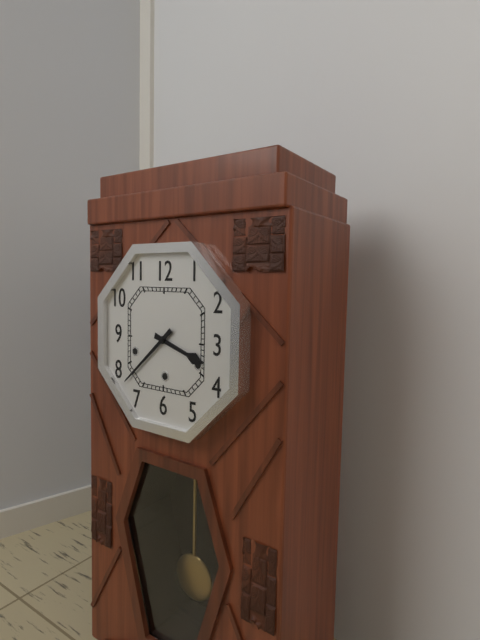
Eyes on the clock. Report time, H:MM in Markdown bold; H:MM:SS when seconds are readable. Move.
**3:38**
